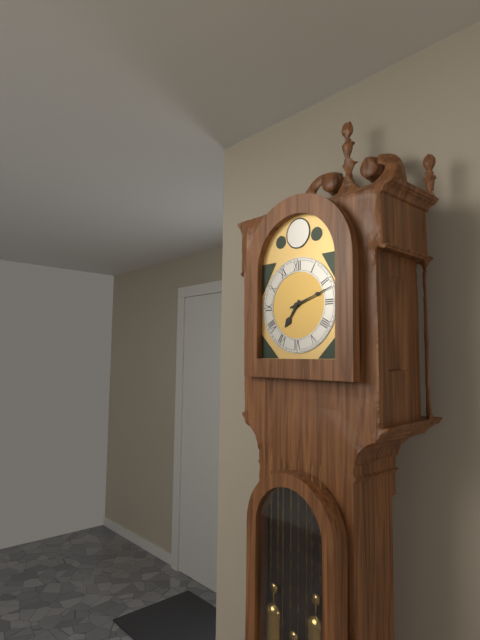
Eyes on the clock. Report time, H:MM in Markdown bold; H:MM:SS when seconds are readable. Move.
**7:12**
